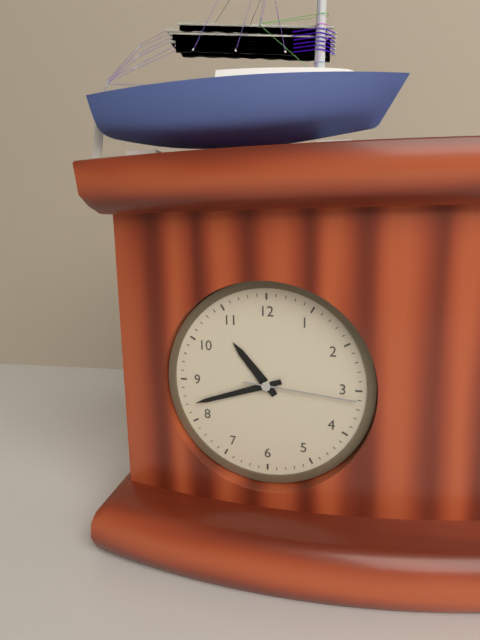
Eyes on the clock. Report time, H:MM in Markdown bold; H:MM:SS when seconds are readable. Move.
**10:42:16**
